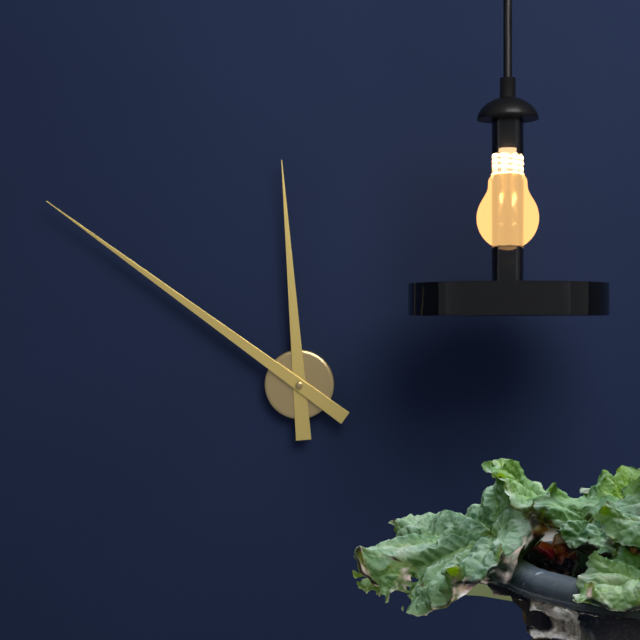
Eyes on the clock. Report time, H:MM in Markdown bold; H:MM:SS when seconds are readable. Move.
**11:51**
